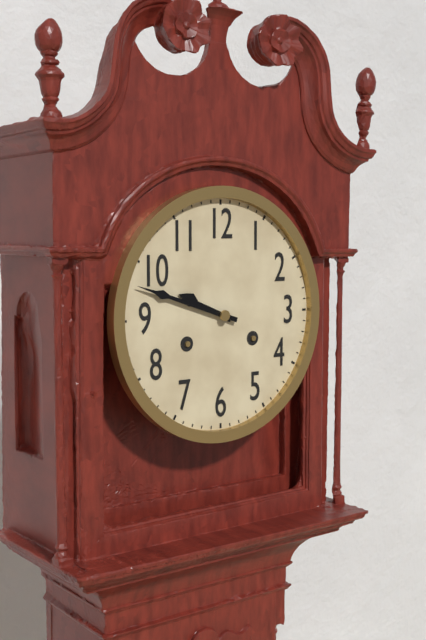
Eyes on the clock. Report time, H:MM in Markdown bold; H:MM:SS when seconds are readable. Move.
**9:48**
